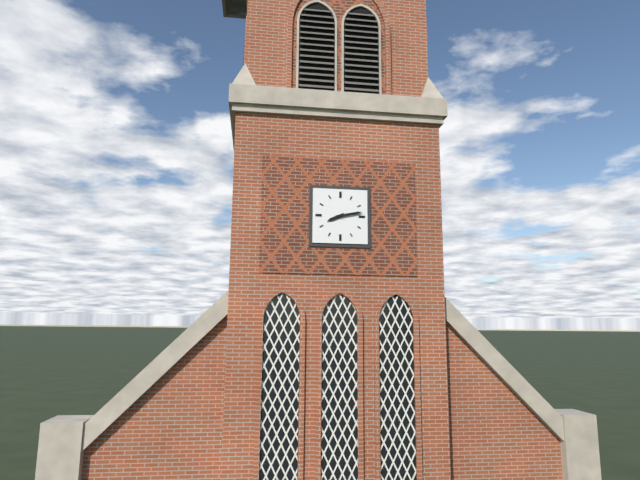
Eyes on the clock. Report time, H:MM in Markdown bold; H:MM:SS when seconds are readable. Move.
**8:13**
